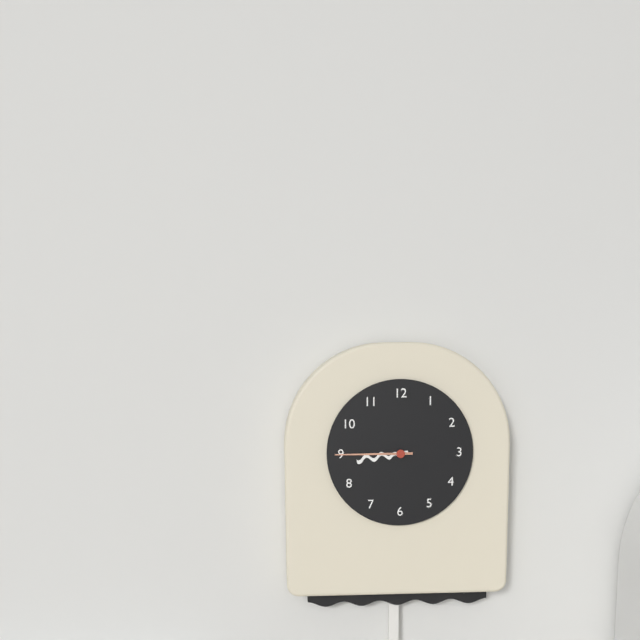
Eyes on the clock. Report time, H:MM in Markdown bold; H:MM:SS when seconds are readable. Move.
**8:45**
